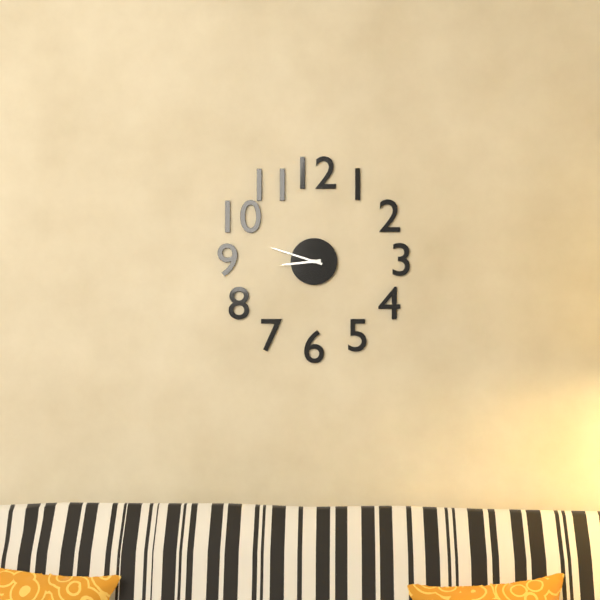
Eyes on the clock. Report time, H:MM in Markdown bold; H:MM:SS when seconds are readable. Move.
**8:48**
